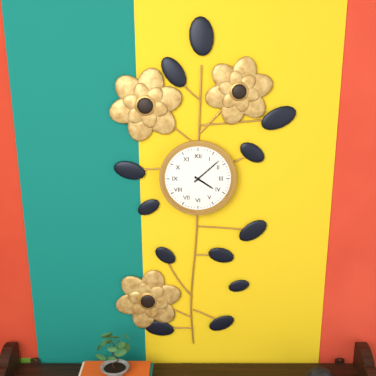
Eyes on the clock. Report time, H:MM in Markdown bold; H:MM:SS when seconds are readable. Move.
**4:08**
